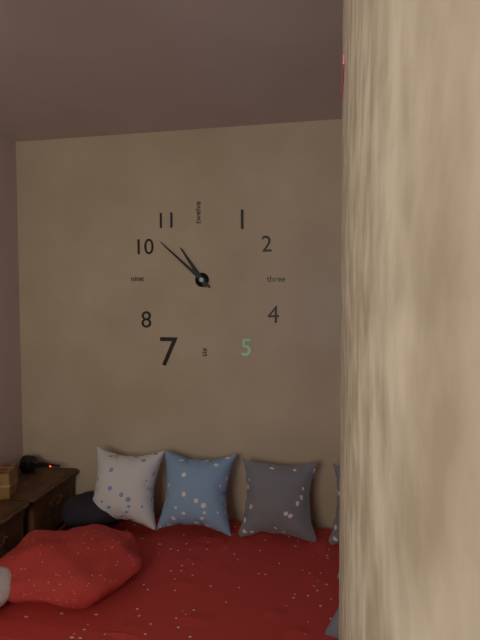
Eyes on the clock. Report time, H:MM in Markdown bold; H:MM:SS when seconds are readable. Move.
**10:52**
